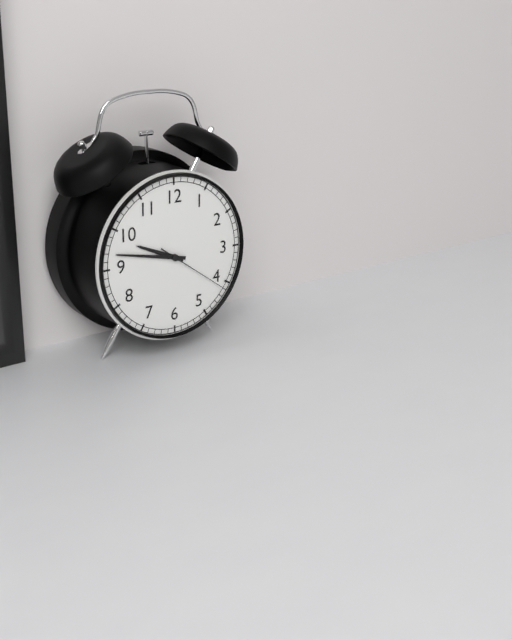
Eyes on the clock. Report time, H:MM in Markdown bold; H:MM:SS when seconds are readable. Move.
**9:47:21**
